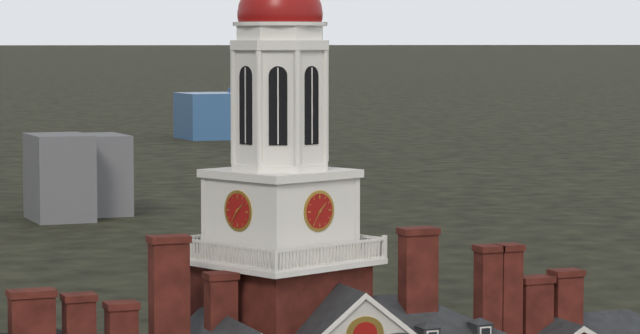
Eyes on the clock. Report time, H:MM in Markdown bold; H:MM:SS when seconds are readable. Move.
**1:36**
